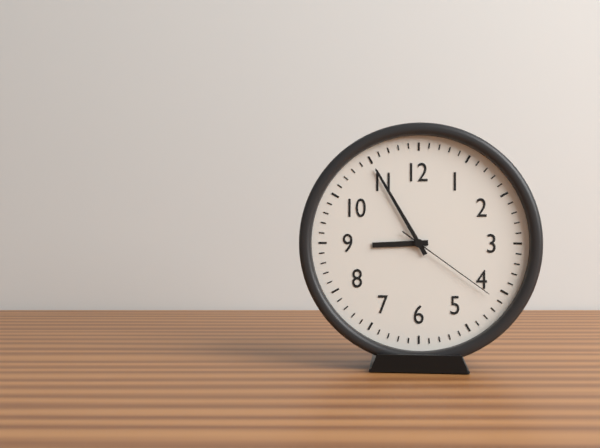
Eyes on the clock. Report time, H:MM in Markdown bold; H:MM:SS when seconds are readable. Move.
**8:55:21**
